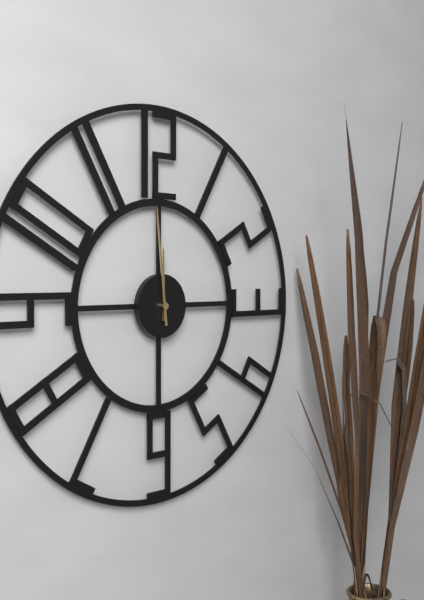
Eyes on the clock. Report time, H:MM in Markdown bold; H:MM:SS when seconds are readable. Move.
**11:59**
